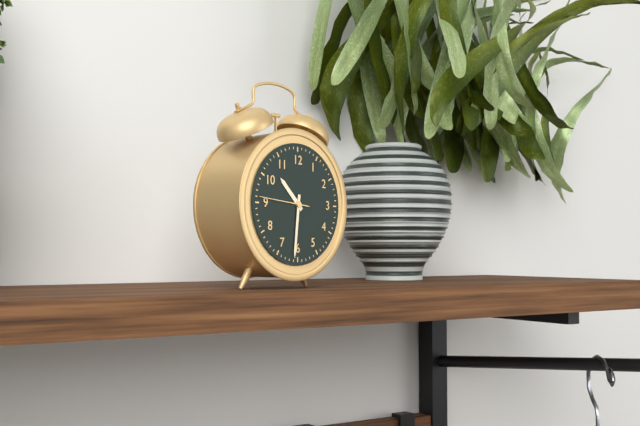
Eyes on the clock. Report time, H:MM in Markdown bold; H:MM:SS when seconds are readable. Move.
**10:31**
